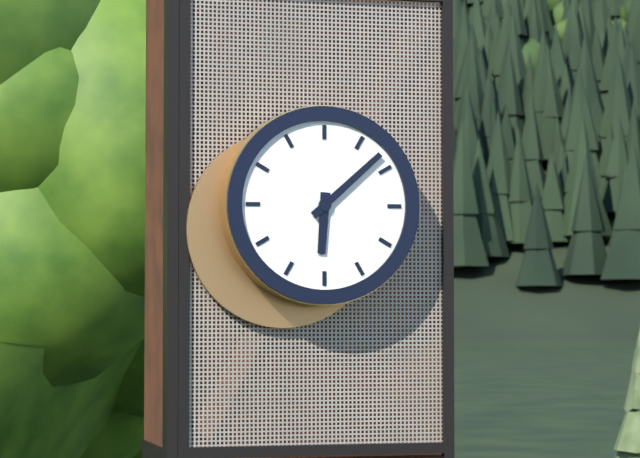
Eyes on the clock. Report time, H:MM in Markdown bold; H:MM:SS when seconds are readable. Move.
**6:08**
